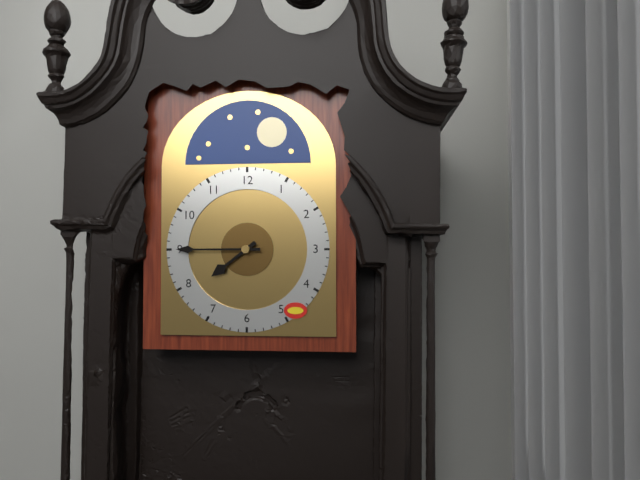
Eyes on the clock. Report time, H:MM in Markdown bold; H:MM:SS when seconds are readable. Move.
**7:45**
